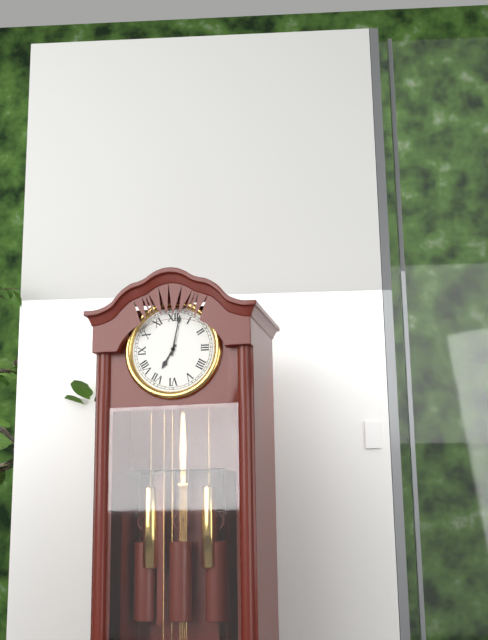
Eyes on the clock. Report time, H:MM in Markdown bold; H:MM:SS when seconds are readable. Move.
**7:02**
